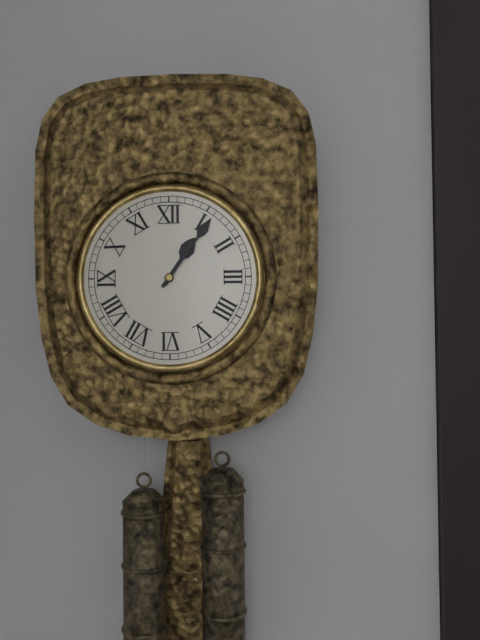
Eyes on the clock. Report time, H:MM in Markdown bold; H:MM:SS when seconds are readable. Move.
**1:06**
